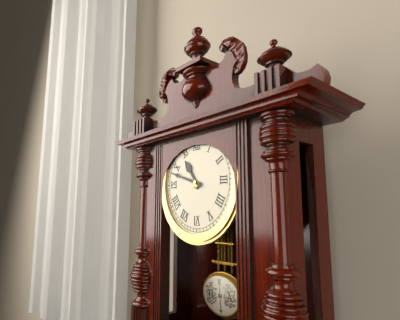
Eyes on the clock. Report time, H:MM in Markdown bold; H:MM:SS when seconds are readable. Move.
**10:48**
